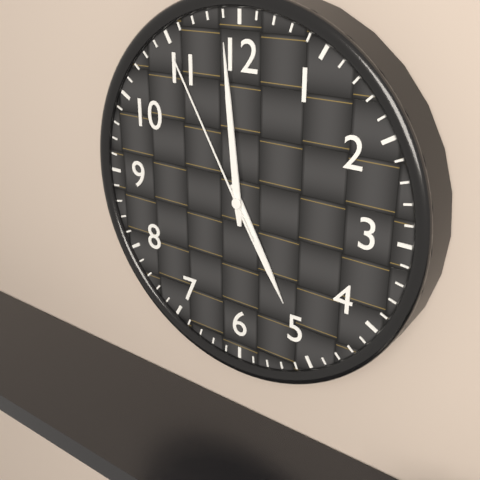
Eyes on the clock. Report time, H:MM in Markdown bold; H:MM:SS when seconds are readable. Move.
**4:59:55**
